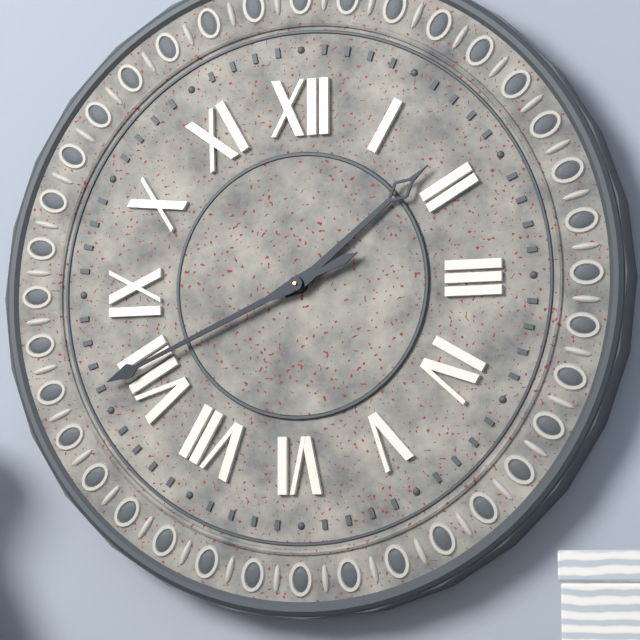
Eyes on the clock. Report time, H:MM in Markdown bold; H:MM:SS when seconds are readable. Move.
**1:41**
